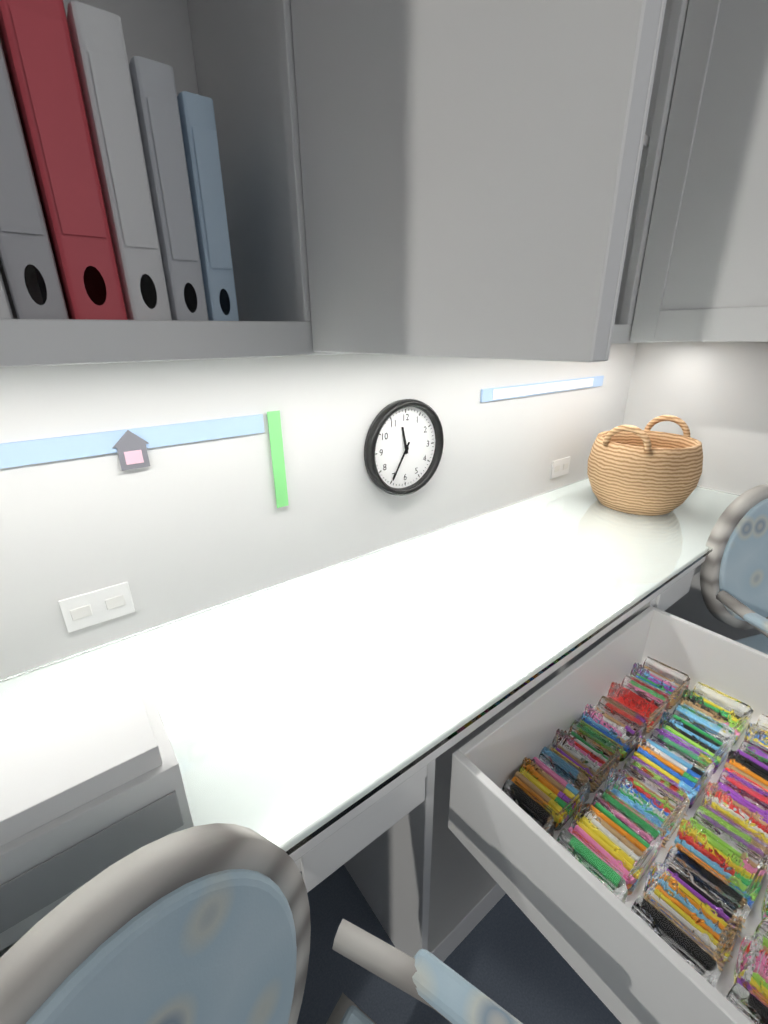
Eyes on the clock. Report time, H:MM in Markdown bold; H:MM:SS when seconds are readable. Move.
**11:35**
